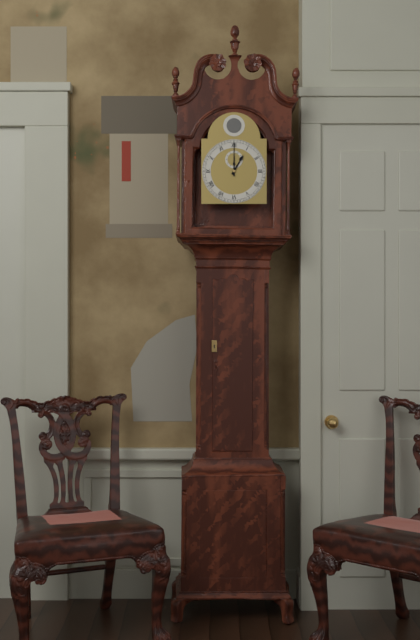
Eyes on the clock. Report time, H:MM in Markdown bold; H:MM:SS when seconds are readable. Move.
**1:00**
